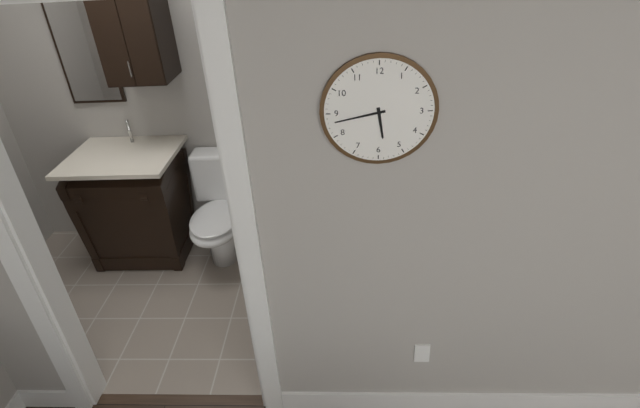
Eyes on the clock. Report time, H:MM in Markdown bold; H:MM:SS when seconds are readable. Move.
**5:43**
